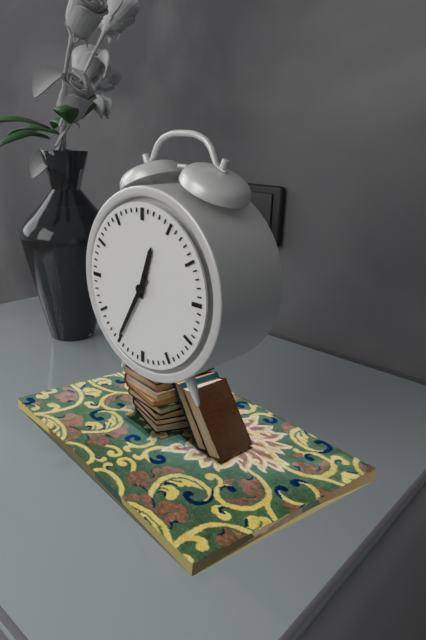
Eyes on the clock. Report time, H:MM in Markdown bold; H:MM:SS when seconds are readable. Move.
**12:35**
